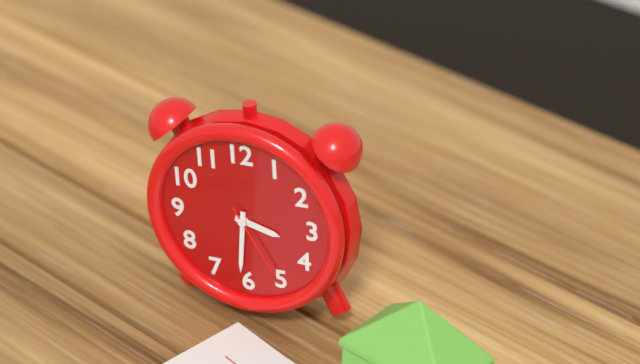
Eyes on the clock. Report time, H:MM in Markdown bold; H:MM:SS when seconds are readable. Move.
**3:31:25**
